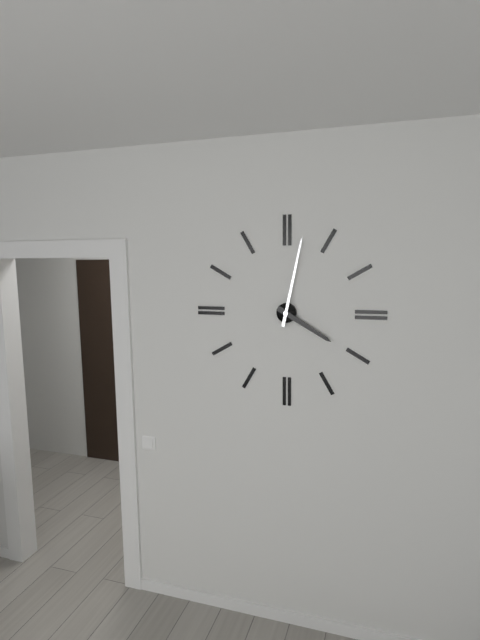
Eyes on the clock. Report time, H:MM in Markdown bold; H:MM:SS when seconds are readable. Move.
**4:02**
